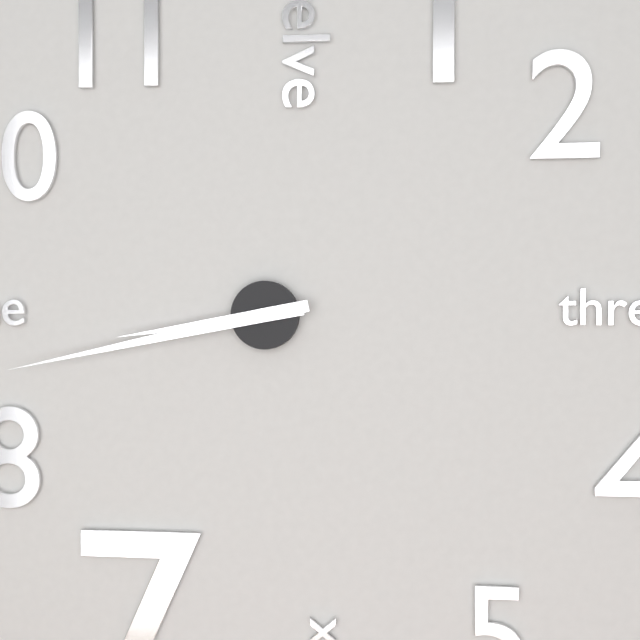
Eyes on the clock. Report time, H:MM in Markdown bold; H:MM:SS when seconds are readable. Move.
**8:43**
